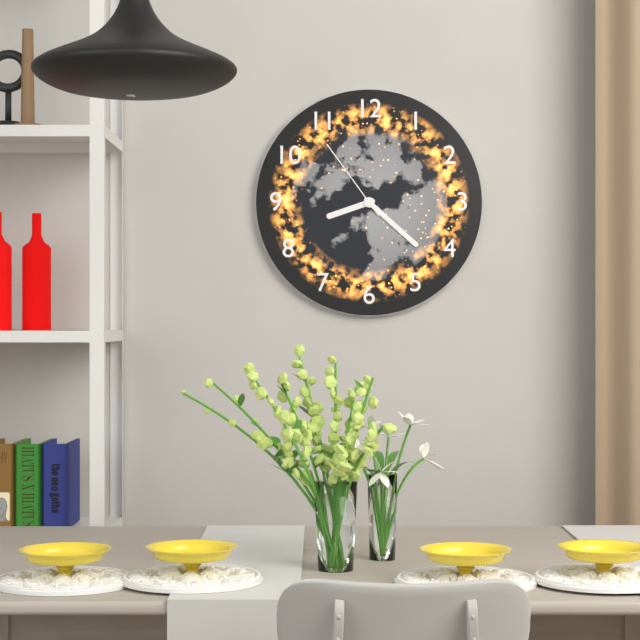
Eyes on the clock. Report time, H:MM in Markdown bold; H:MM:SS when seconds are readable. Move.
**8:22:54**
